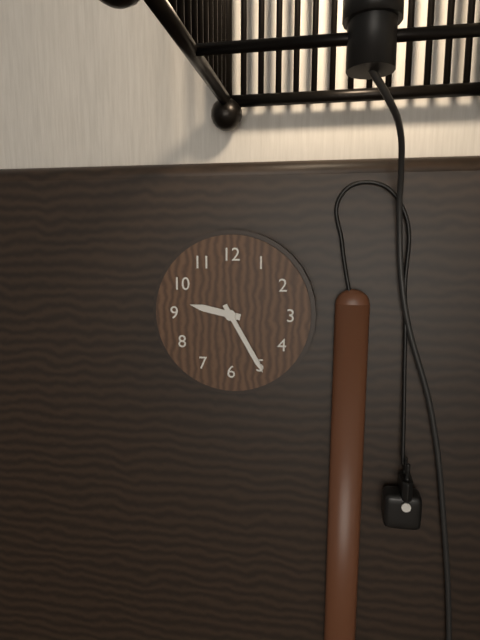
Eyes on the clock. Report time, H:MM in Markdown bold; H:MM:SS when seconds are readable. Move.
**9:25**
